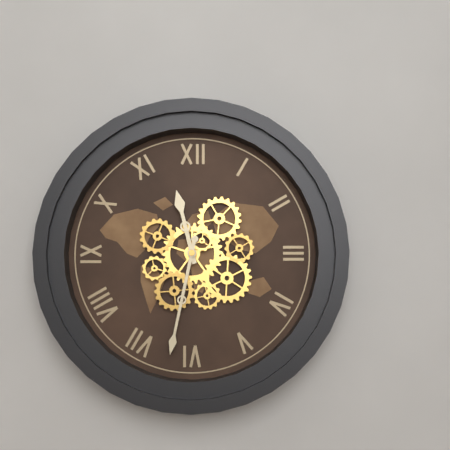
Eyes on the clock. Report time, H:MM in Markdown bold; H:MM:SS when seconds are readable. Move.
**11:32**
